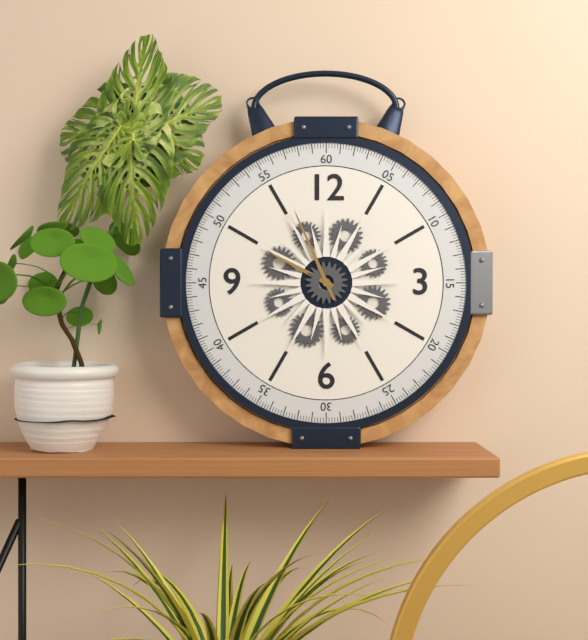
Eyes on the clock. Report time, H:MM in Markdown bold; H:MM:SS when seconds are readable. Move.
**9:56**
